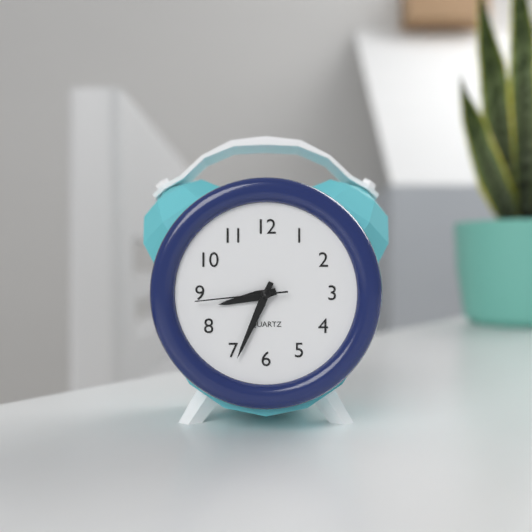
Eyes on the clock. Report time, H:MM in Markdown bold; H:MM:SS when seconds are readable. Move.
**8:34:44**
